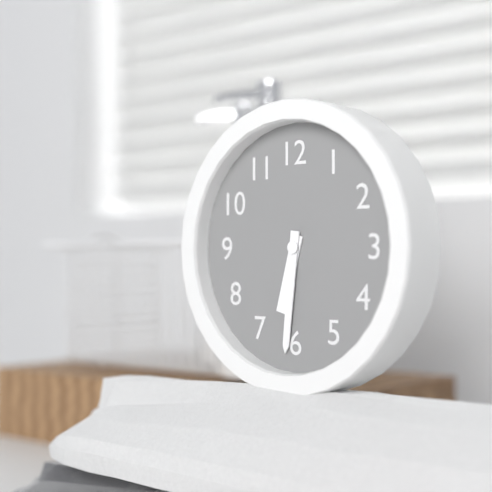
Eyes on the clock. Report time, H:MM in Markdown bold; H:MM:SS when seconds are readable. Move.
**6:31**
